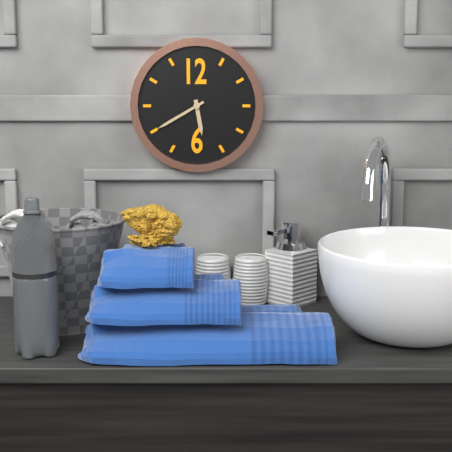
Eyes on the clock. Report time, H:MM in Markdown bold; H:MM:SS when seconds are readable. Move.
**5:40**
